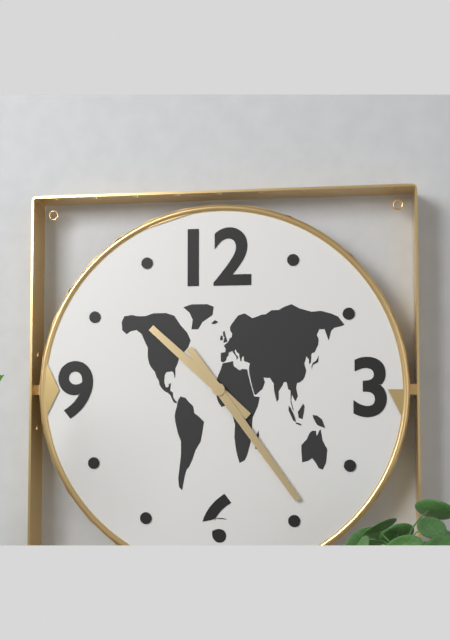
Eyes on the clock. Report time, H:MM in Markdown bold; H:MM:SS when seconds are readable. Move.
**10:24**
